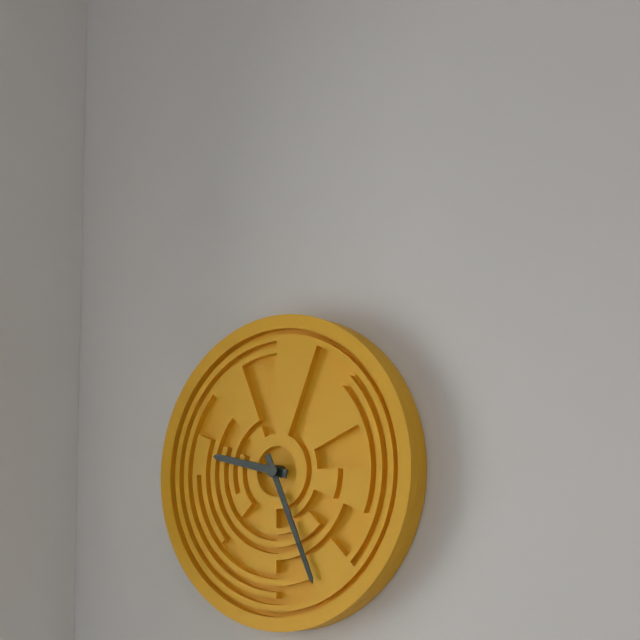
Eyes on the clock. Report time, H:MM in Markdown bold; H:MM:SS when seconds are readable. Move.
**9:26**
